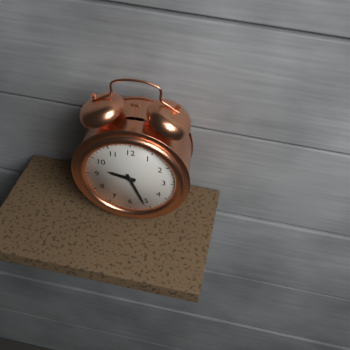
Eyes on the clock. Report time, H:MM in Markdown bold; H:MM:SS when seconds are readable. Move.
**9:26**
